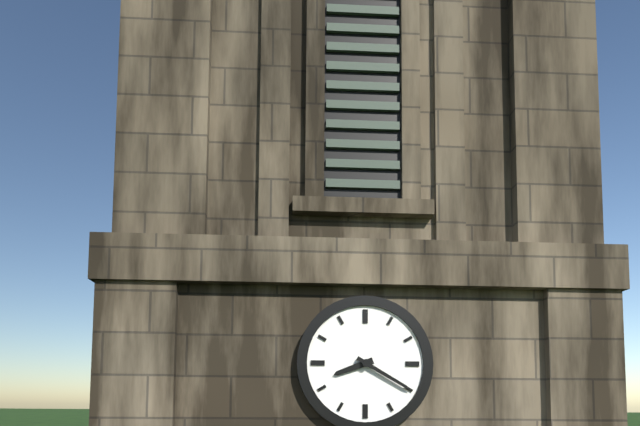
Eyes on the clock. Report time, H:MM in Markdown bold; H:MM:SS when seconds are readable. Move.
**8:20**
